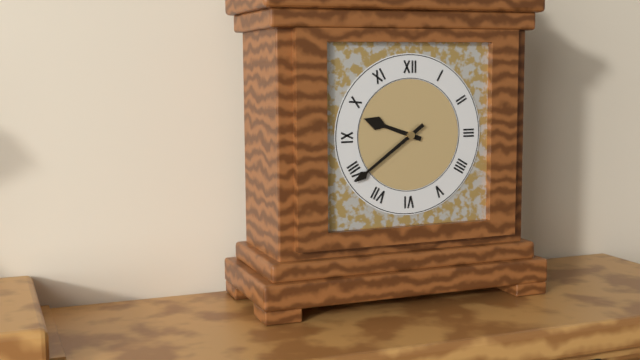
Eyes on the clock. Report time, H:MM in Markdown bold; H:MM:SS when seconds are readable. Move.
**9:39**
